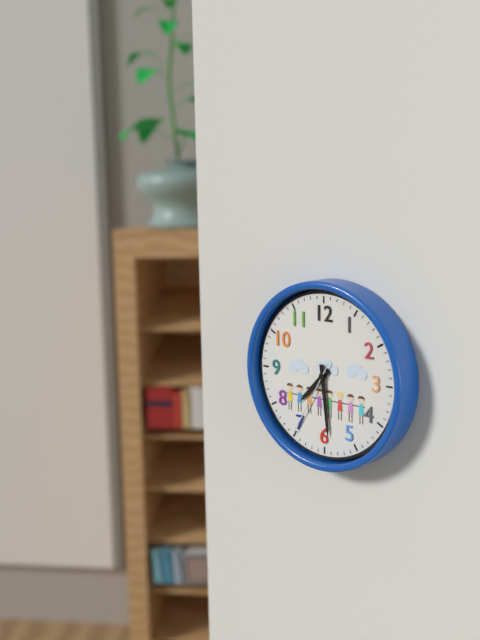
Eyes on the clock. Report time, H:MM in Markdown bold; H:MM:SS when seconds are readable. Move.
**7:29:35**
